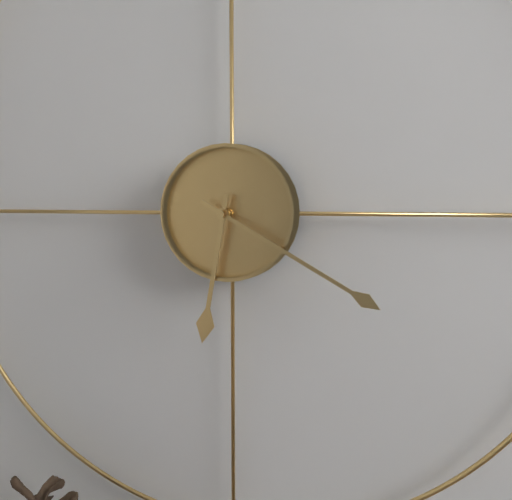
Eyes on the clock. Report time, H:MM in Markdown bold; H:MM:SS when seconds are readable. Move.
**6:20**
